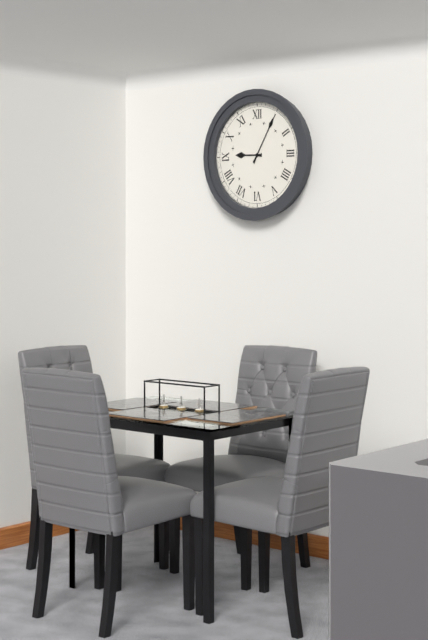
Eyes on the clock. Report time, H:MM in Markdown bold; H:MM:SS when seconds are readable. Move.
**9:05**
